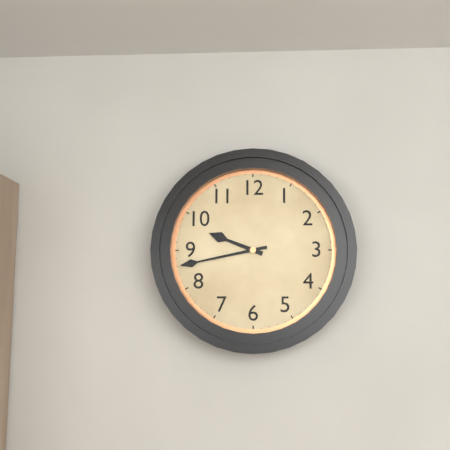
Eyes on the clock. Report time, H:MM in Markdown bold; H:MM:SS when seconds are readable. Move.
**9:43**
